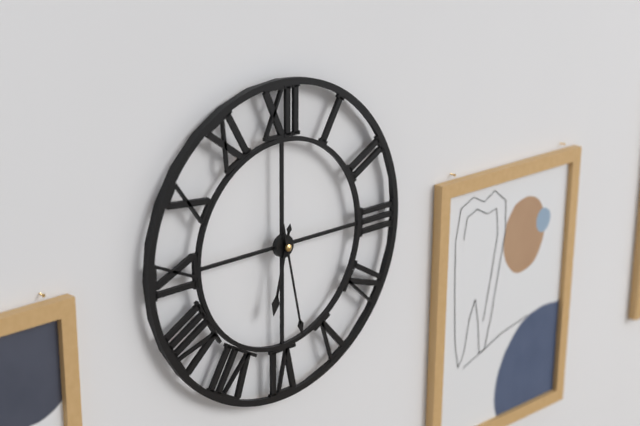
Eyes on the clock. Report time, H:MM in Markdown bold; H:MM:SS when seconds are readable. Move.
**6:28**
